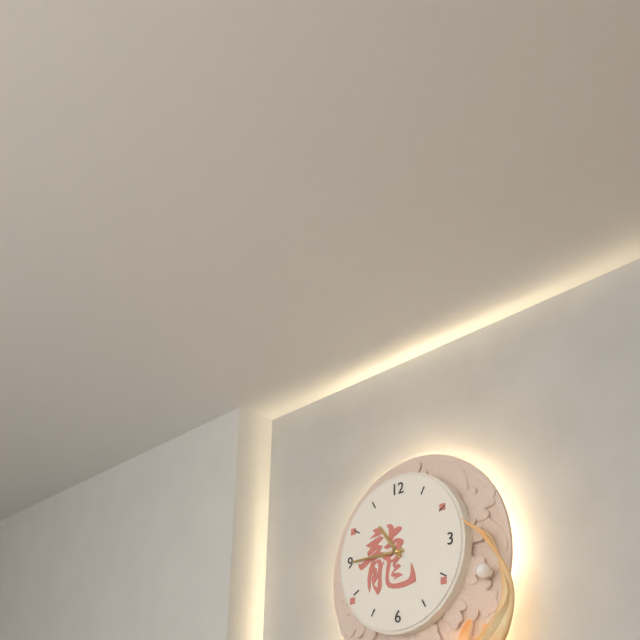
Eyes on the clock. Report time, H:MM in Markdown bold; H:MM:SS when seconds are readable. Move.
**10:45**
